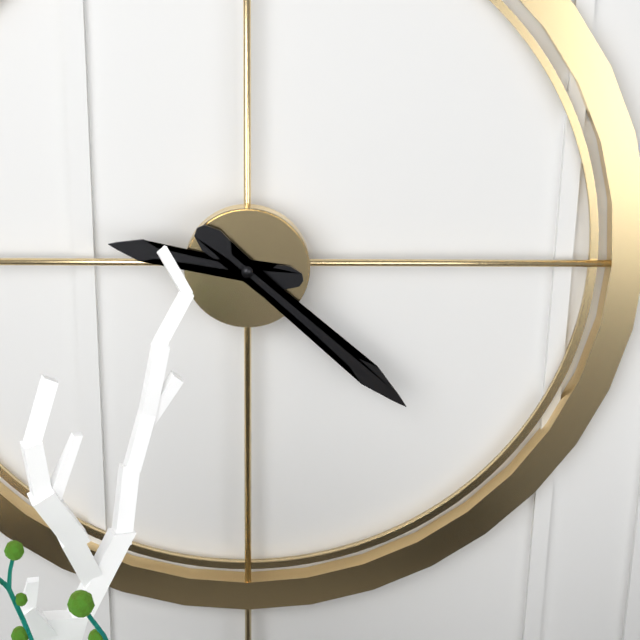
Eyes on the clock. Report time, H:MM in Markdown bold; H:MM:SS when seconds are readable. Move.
**9:22**
